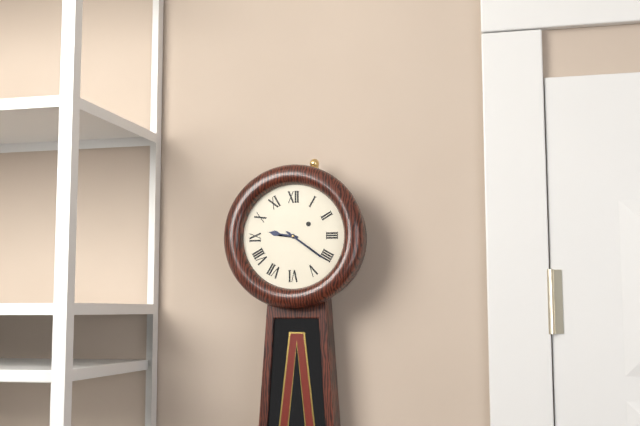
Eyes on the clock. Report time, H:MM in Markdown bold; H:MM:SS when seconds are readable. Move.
**9:21**
